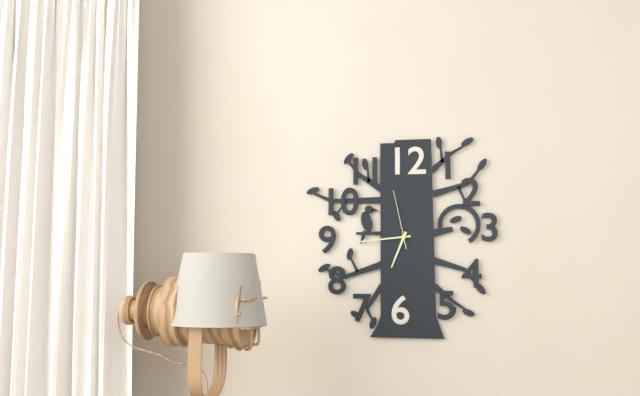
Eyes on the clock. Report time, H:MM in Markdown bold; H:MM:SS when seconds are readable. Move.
**6:44:58**
